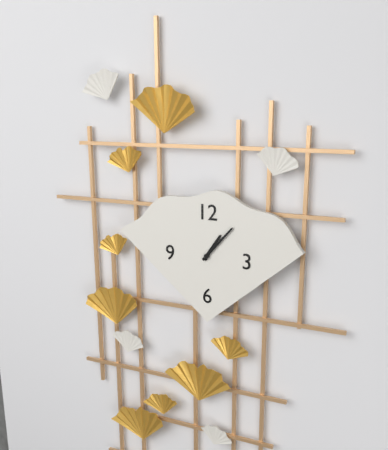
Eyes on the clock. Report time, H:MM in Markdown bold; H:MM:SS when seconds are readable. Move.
**1:07**
